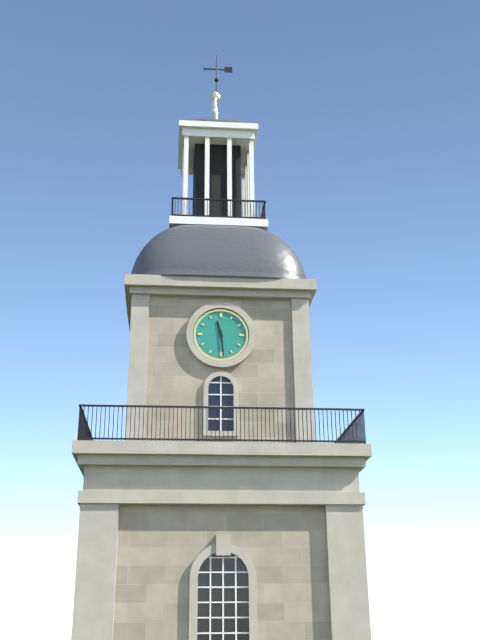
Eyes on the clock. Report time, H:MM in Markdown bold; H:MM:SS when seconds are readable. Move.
**11:29**
